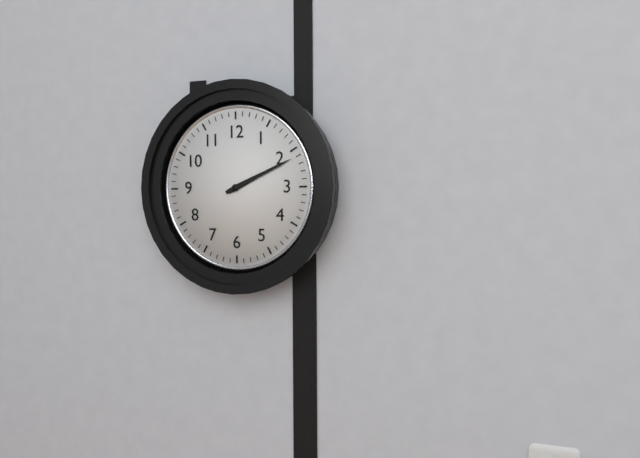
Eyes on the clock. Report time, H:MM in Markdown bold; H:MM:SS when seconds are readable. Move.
**2:11**
